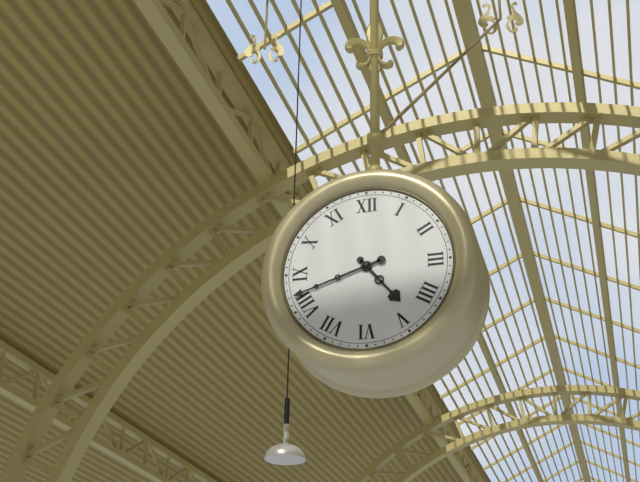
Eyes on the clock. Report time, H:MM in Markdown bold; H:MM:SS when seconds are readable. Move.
**4:42**
